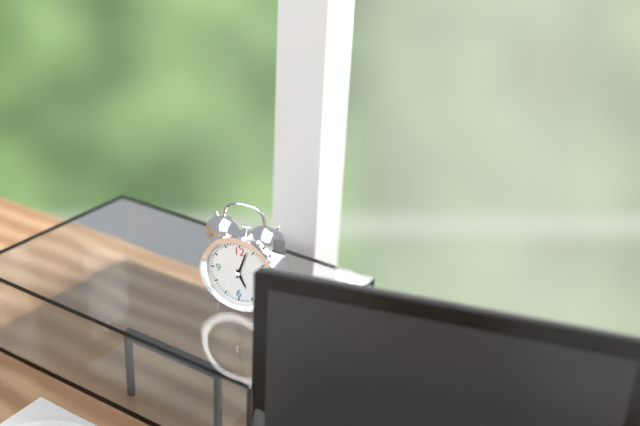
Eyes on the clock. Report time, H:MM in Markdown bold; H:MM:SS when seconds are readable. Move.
**5:03**
